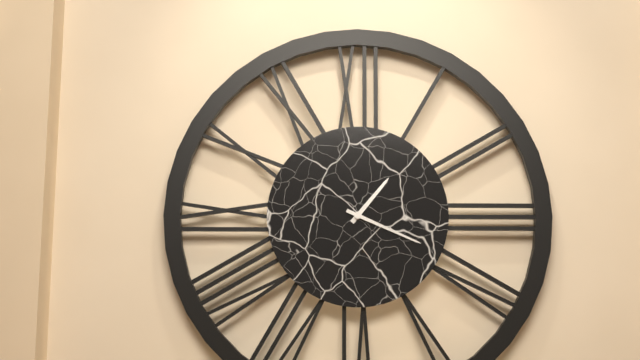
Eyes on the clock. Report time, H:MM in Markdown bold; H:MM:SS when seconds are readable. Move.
**1:19**
